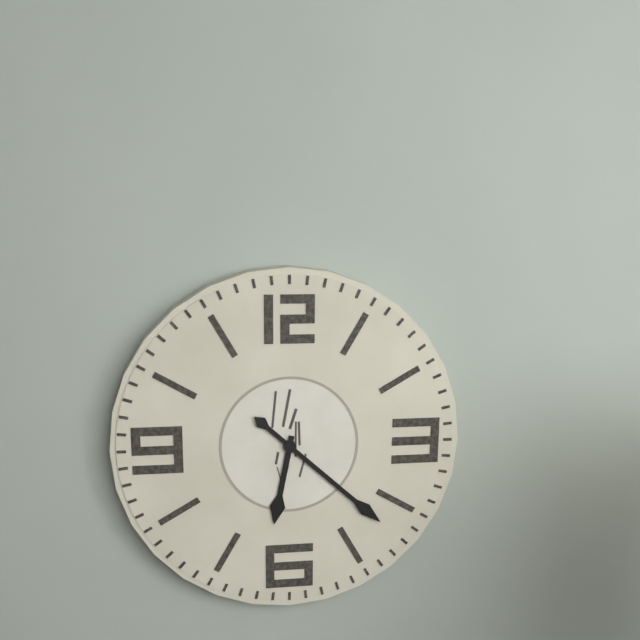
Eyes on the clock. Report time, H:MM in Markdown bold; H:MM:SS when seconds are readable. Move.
**6:22**
